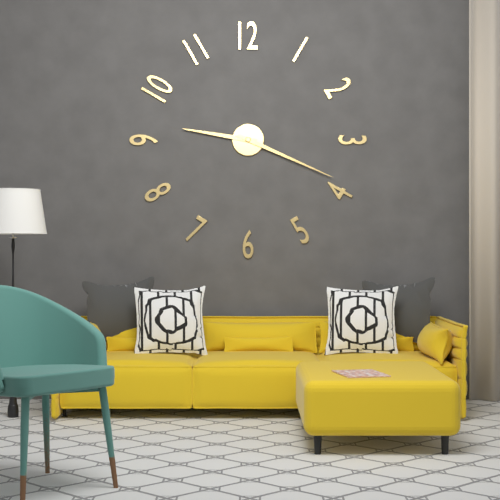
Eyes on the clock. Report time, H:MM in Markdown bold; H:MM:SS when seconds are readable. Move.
**9:19**
